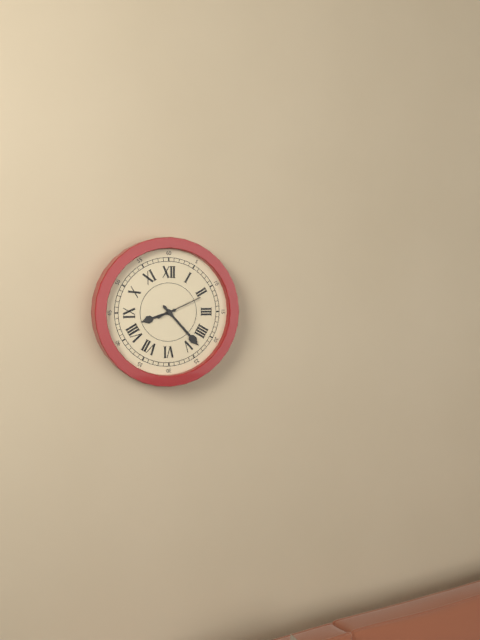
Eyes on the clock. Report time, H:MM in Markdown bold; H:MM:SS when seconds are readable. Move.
**8:23**
